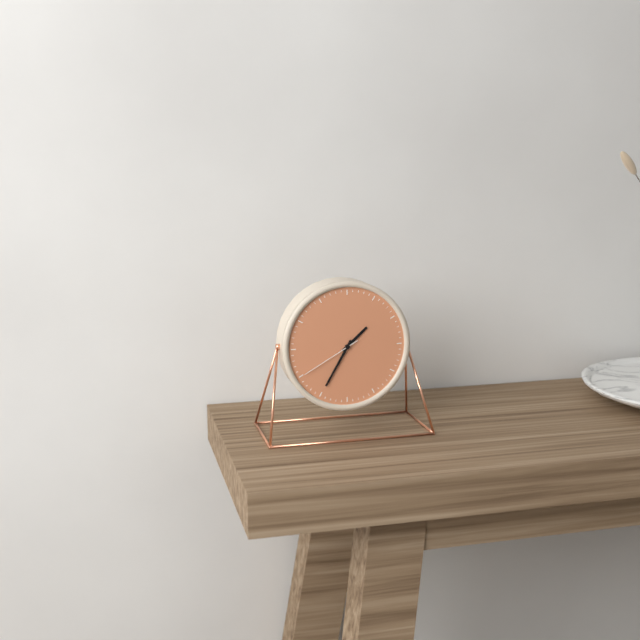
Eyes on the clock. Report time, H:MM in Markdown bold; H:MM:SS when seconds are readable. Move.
**1:35:40**
